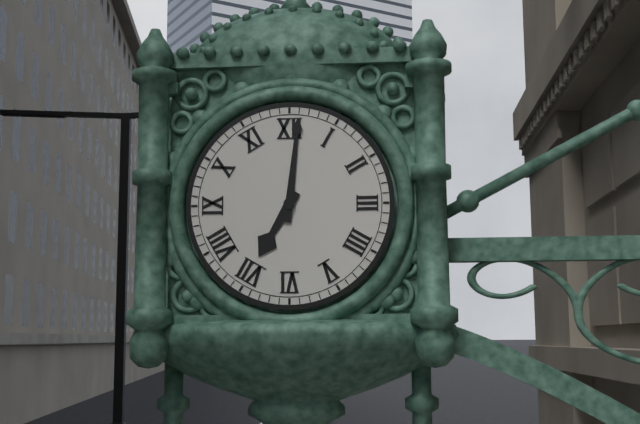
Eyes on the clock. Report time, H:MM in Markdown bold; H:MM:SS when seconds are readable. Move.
**7:01**
